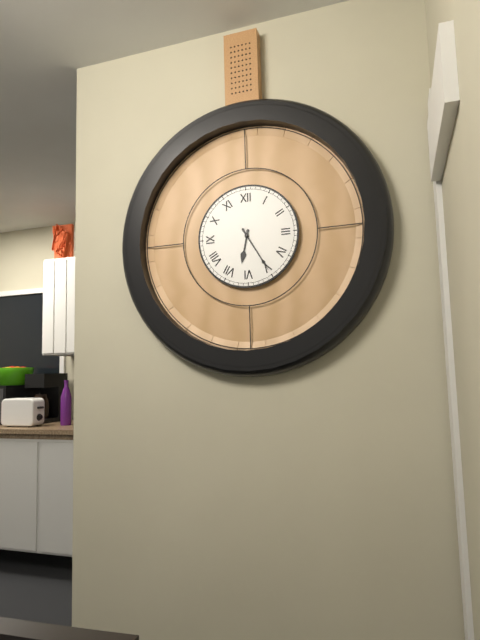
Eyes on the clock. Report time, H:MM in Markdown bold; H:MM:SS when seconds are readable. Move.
**6:25**
